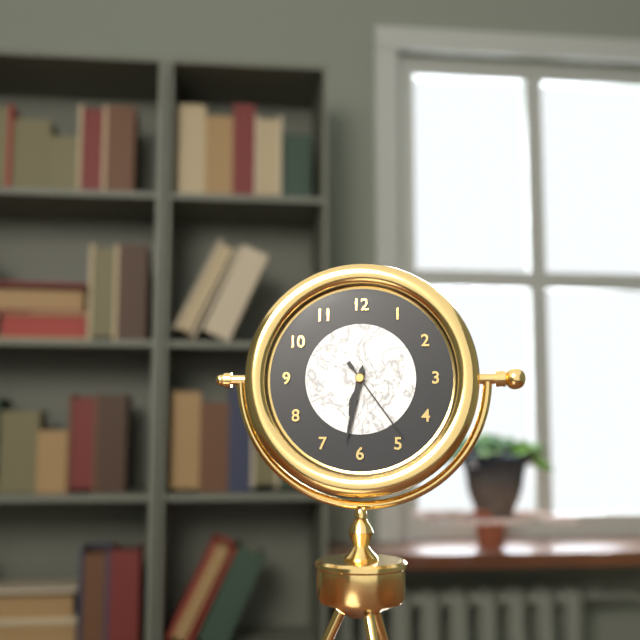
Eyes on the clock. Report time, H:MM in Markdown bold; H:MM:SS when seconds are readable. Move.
**6:32:24**
